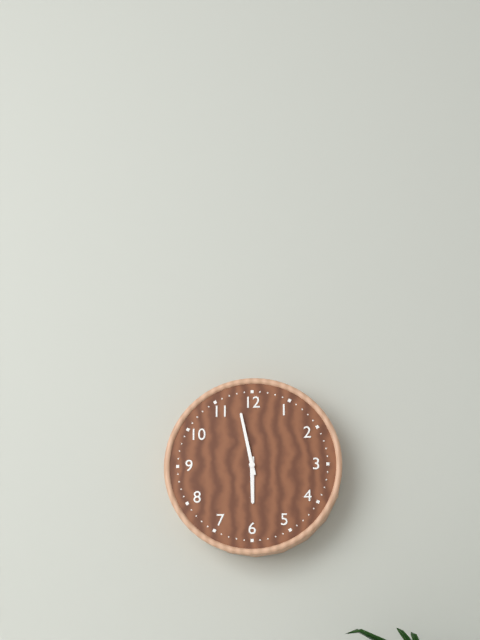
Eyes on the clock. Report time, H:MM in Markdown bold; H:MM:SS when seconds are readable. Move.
**5:58**
